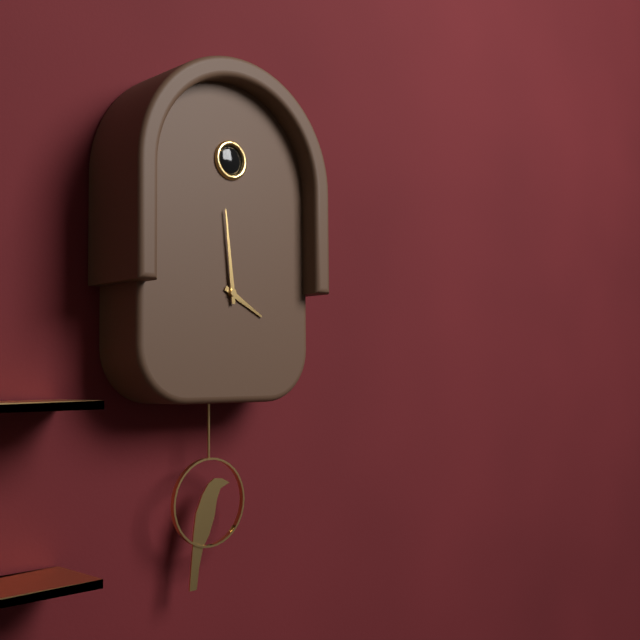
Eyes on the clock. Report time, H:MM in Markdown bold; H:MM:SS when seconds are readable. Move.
**3:59**
